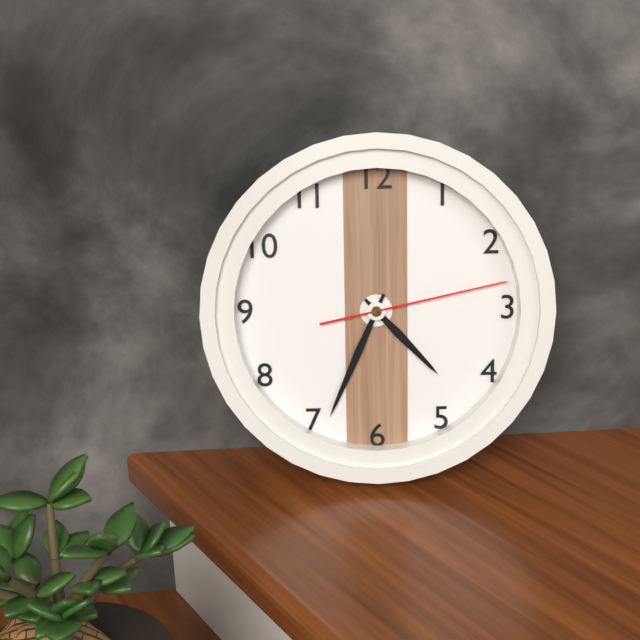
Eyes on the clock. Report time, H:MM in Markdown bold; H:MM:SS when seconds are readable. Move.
**4:34:13**
